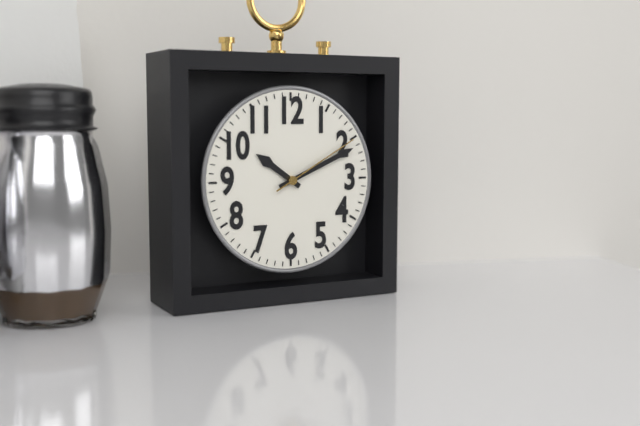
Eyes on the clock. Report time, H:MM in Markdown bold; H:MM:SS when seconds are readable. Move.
**10:11:10**
